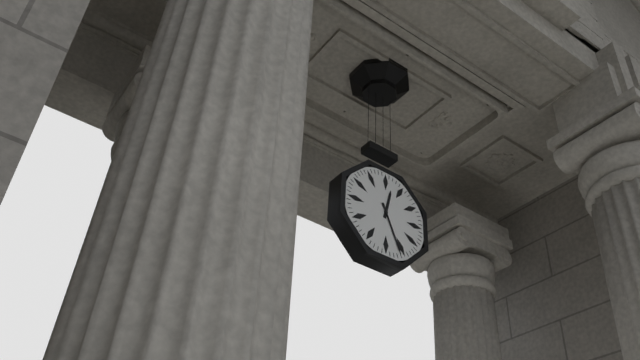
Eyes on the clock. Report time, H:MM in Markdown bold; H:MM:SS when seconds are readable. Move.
**12:26**
